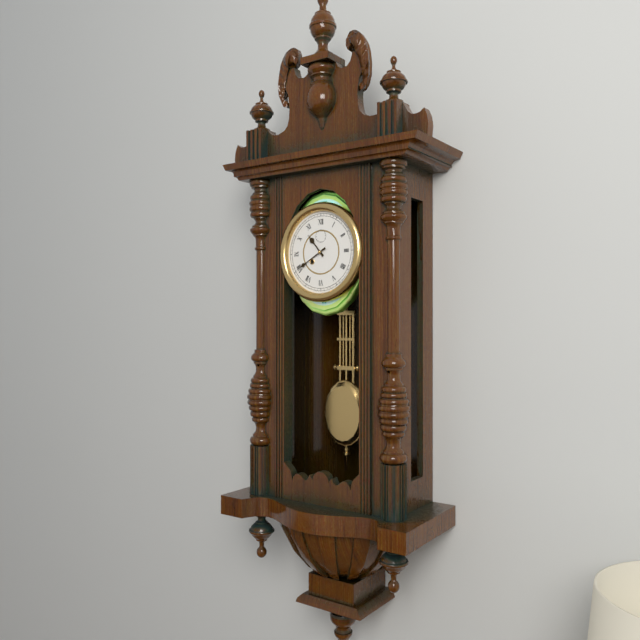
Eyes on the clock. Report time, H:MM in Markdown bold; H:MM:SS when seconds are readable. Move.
**10:40**
